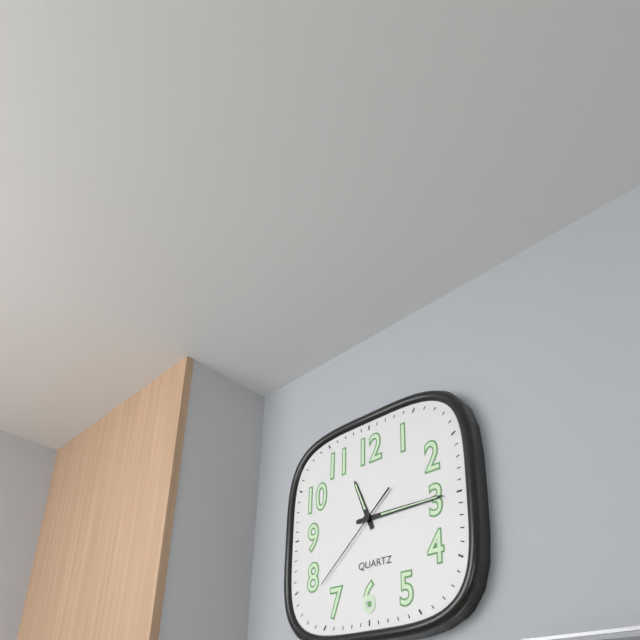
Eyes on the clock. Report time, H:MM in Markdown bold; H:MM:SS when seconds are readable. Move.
**11:15:38**
